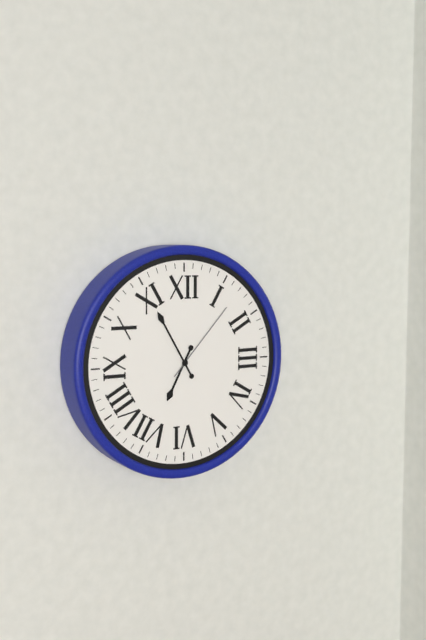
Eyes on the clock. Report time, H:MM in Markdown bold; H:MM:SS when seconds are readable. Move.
**6:55:07**
